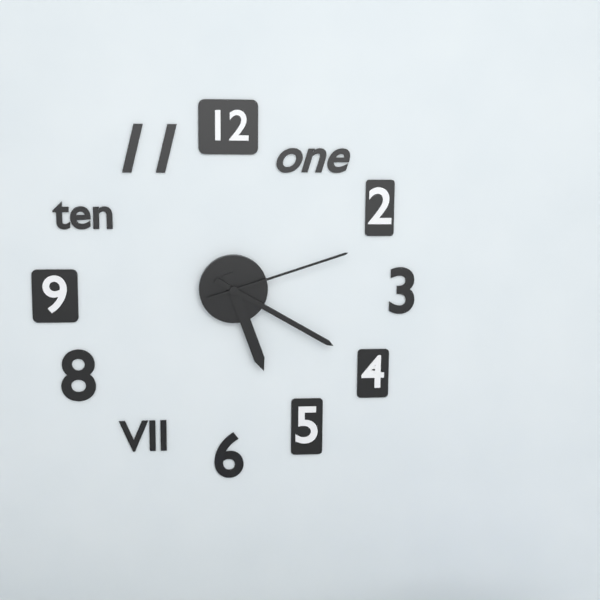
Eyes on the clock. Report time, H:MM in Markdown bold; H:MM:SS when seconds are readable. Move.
**5:20:12**
